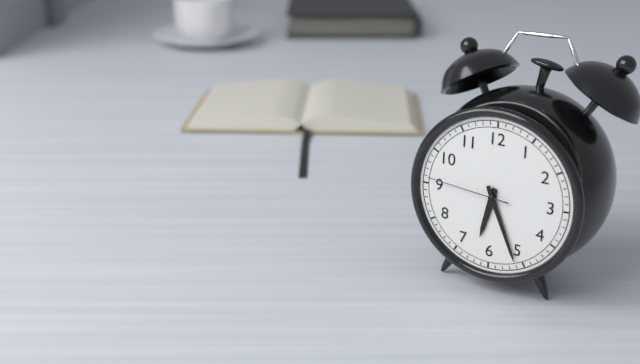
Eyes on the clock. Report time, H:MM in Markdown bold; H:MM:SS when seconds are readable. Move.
**6:26:46**
